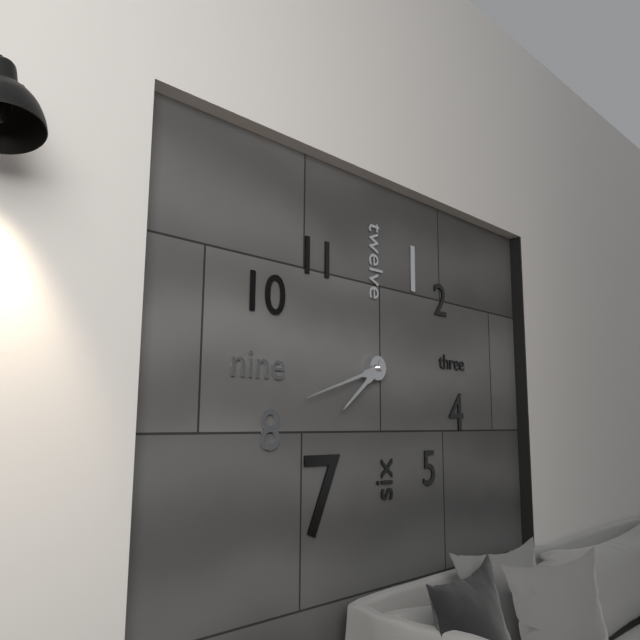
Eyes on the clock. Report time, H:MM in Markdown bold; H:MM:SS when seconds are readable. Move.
**7:42**
